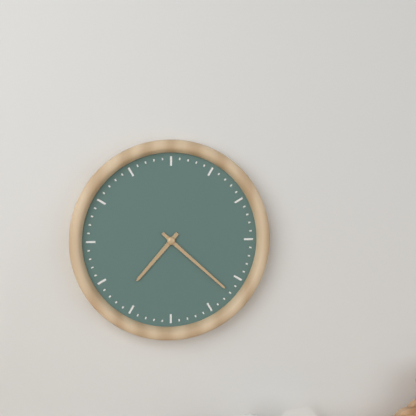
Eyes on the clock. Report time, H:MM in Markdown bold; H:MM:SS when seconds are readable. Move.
**7:22**
